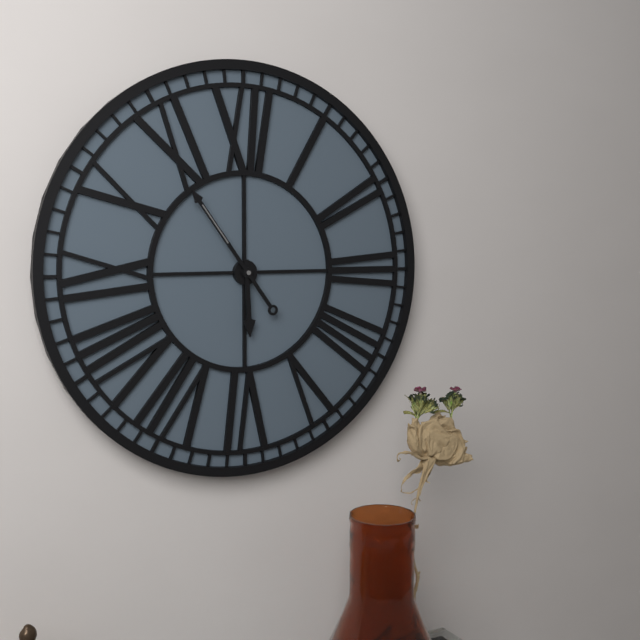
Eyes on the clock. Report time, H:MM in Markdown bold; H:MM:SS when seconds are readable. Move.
**5:54**
